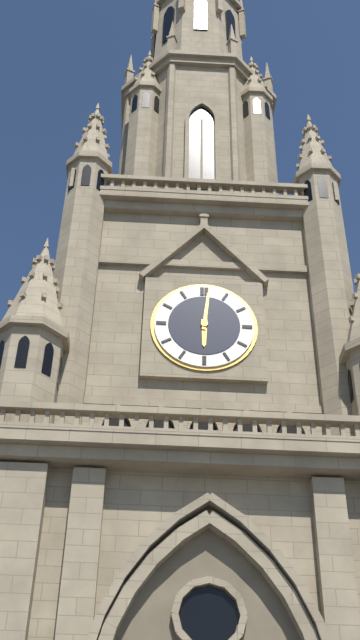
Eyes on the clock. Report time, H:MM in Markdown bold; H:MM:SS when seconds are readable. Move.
**6:01**
